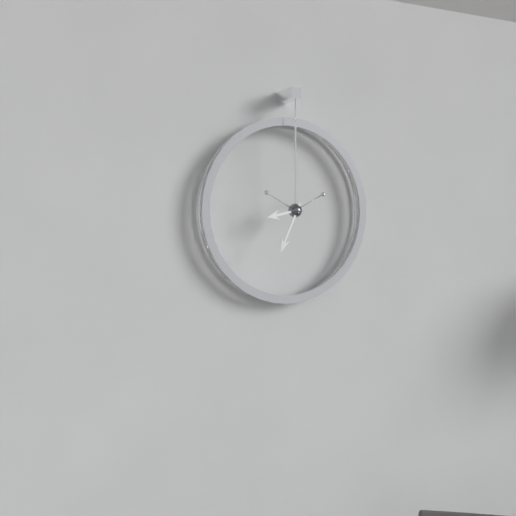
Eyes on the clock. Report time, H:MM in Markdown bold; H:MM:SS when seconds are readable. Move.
**8:34**
